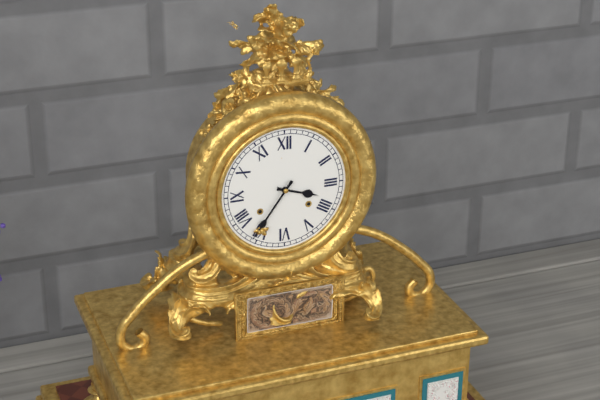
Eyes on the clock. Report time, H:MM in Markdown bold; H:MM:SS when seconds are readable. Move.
**3:36**
